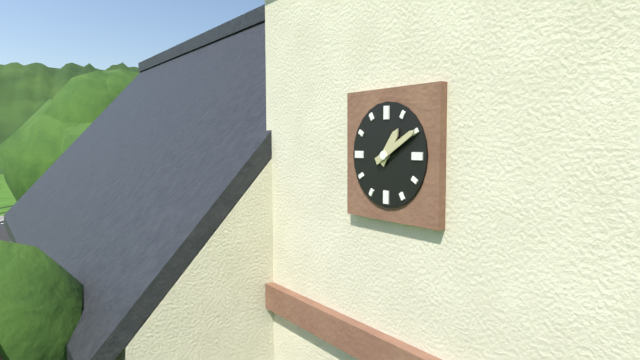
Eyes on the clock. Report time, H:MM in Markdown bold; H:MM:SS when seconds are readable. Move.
**1:10**
